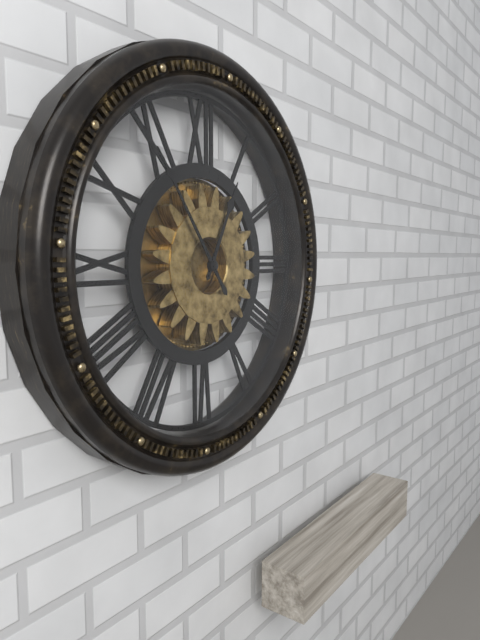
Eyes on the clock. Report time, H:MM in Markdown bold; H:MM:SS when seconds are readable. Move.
**12:54**
